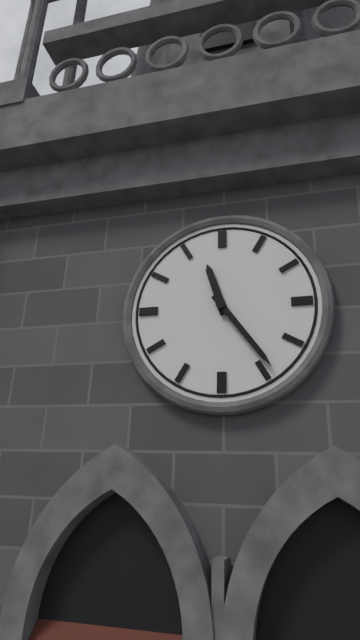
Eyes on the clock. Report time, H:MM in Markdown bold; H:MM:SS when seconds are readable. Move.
**11:24**
